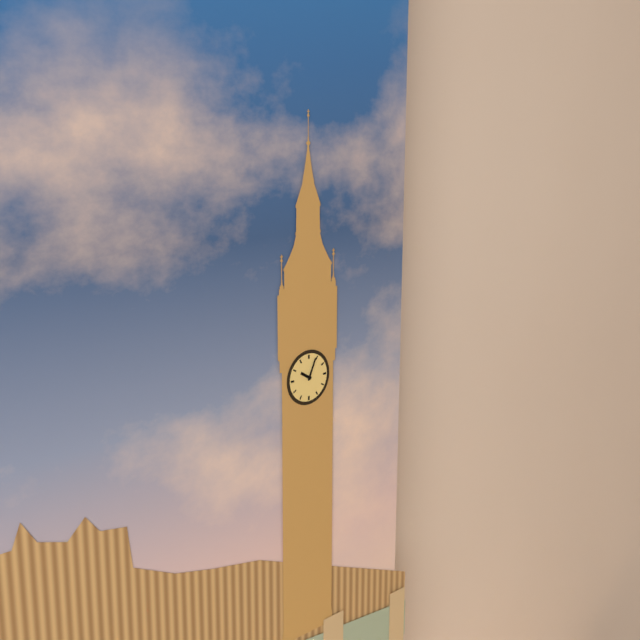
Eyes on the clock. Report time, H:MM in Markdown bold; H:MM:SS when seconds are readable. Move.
**10:04**
